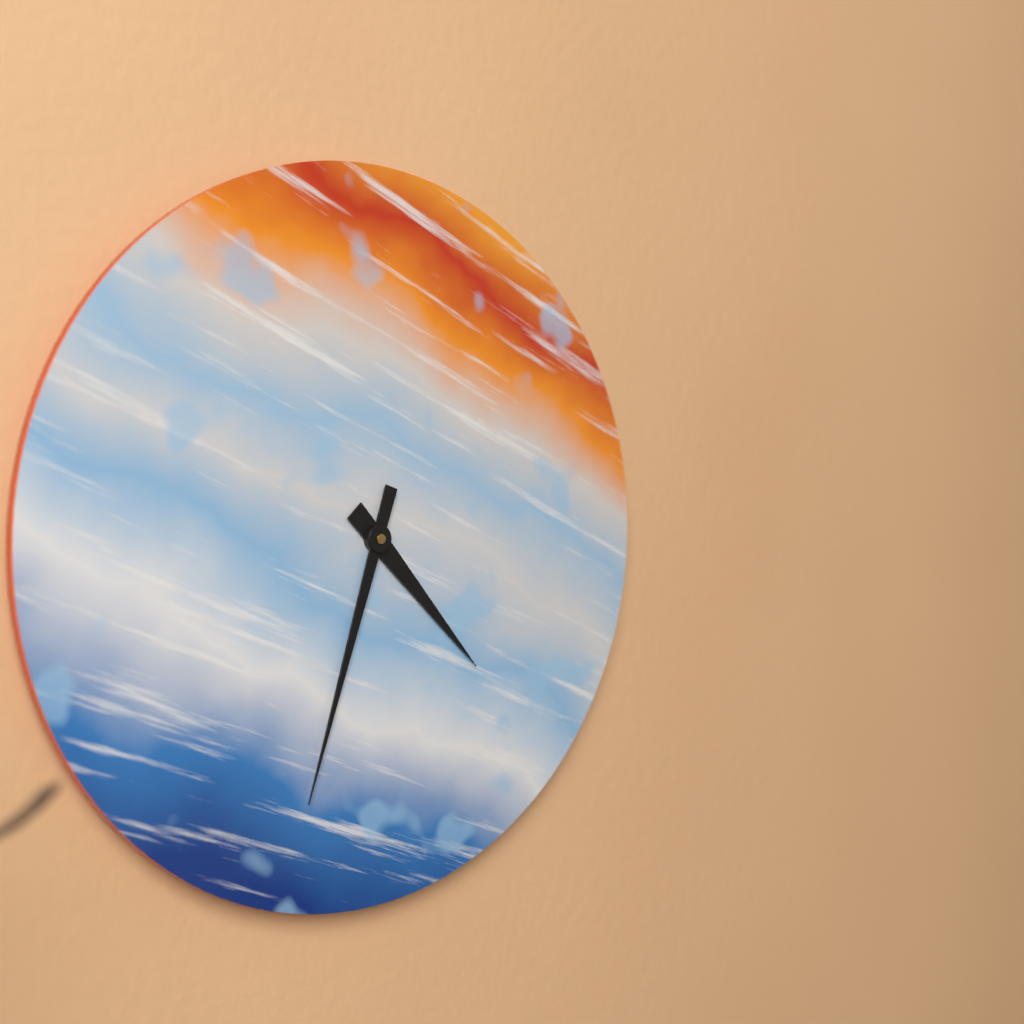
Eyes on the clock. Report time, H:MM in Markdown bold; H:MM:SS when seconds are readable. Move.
**4:33**
